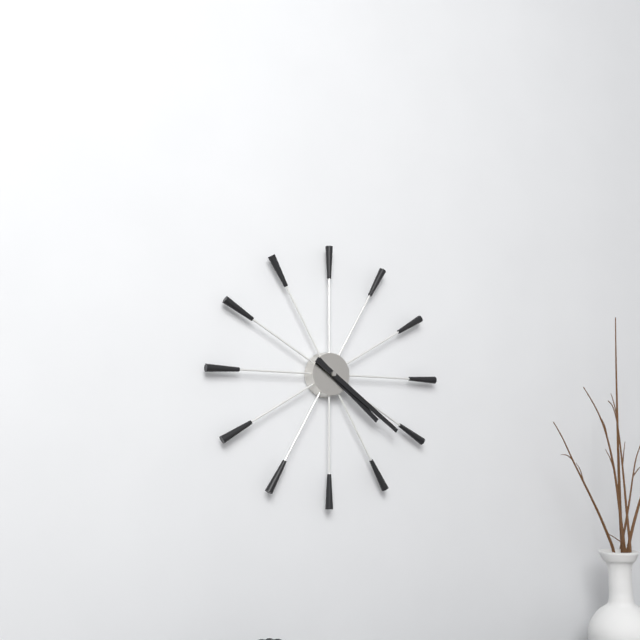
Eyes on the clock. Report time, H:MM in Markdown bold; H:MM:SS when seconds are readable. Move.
**4:21**
